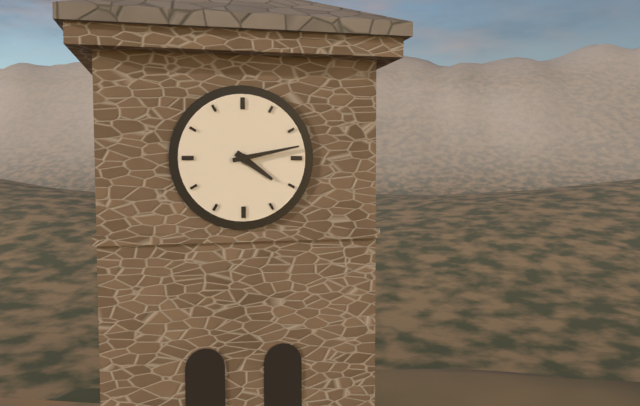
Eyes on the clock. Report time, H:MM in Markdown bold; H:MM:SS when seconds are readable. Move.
**4:13**
